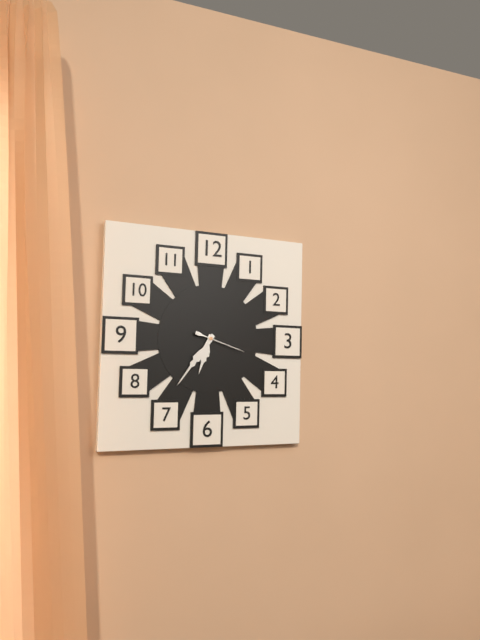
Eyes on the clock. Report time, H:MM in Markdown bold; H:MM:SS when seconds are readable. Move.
**6:36**
